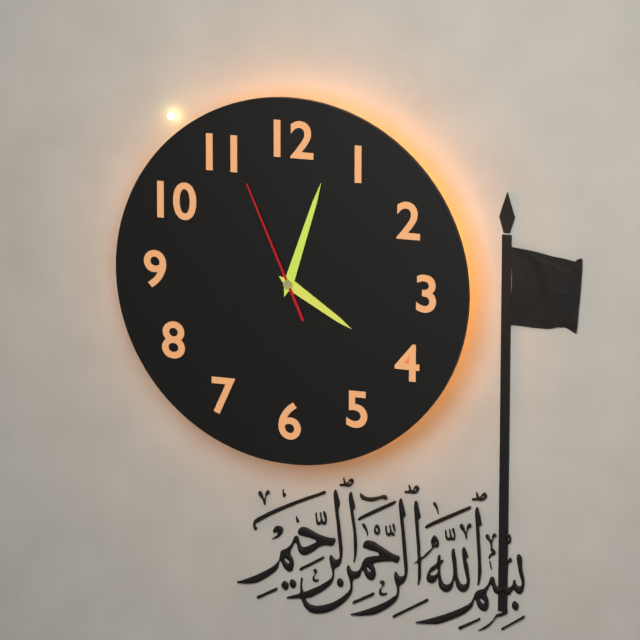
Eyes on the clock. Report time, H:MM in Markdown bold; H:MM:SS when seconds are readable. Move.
**4:03:56**
